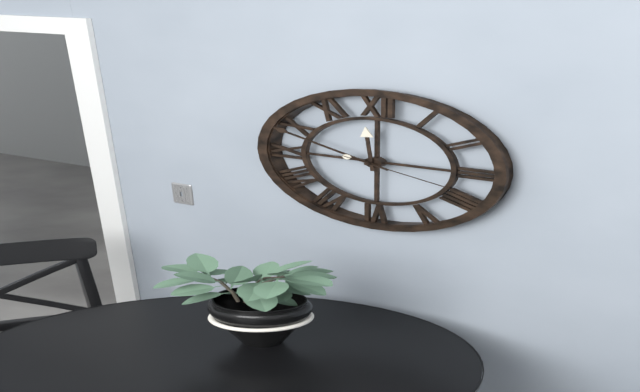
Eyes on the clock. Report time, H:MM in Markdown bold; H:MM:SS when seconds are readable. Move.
**11:49:18**
